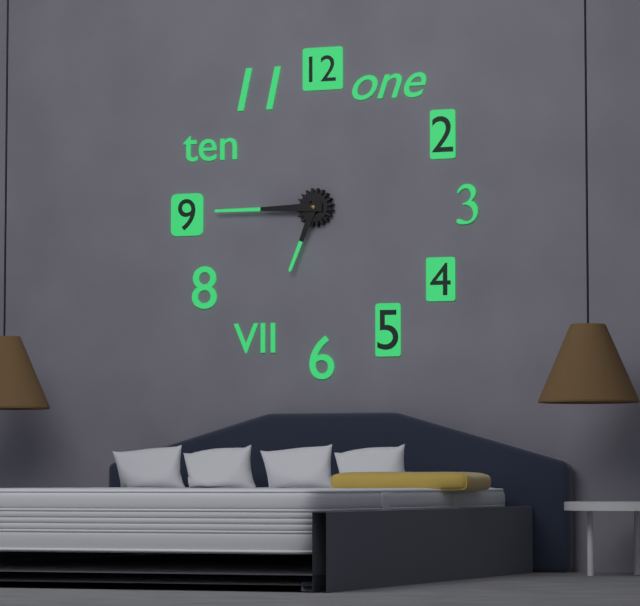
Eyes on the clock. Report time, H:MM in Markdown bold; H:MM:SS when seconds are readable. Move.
**6:45**
